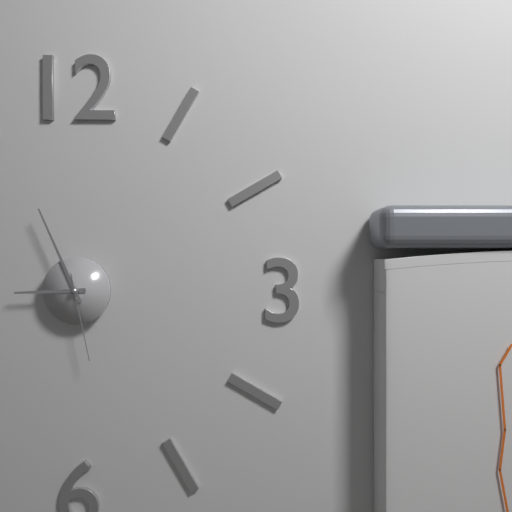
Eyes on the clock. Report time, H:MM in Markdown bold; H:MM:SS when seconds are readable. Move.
**8:56:28**
